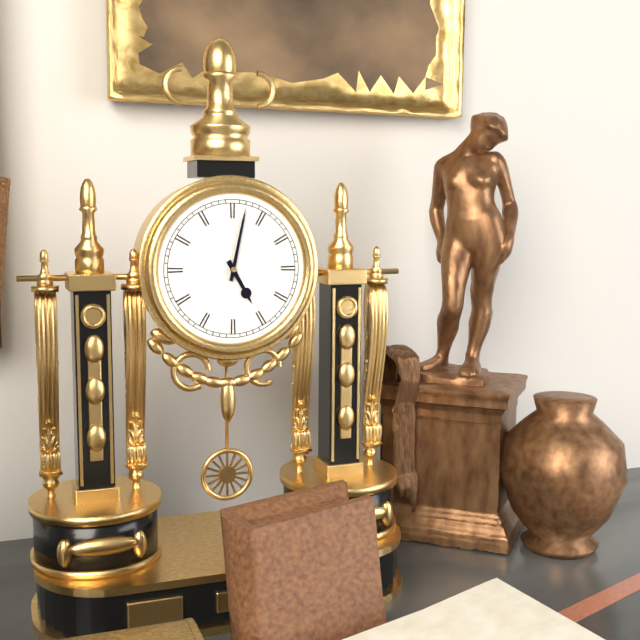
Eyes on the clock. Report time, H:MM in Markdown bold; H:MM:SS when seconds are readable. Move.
**5:02**
